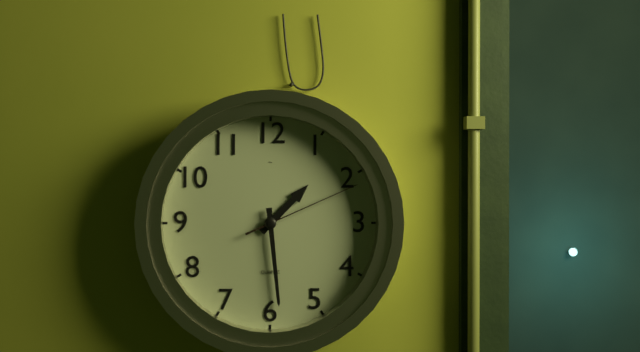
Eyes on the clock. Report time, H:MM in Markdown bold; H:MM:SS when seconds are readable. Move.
**1:29:11**
